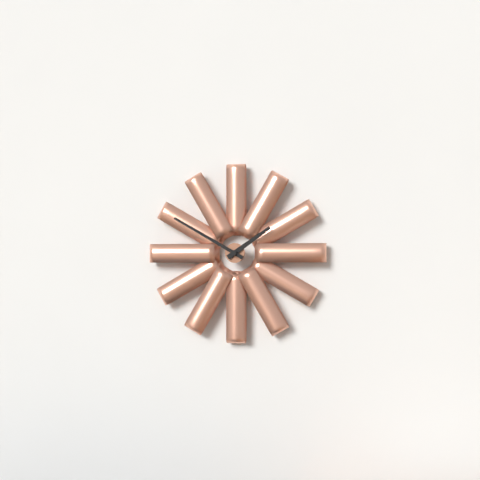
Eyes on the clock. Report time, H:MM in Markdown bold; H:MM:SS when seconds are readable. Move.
**1:50**
